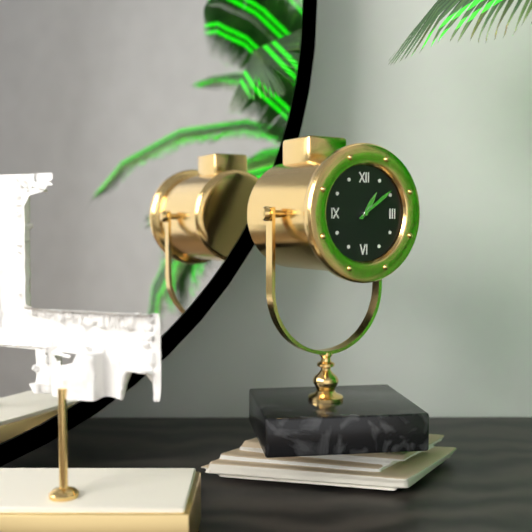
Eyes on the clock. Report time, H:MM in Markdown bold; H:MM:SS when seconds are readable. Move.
**1:09**
